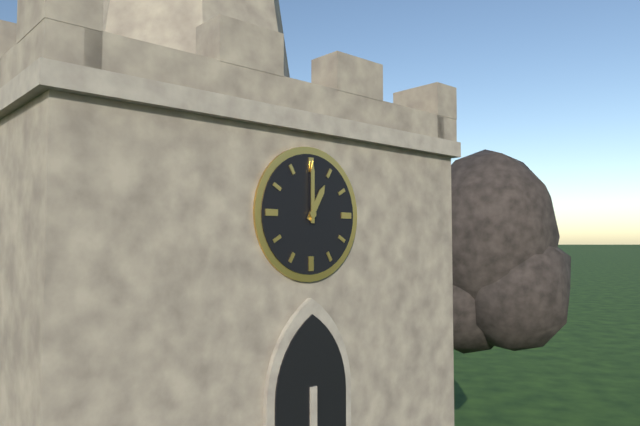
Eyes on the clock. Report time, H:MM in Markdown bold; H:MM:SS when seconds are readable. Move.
**1:00**
